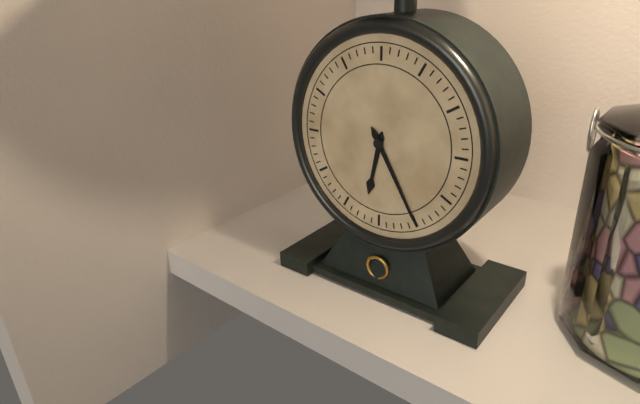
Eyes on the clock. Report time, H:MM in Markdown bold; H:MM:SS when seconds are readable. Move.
**6:25**
